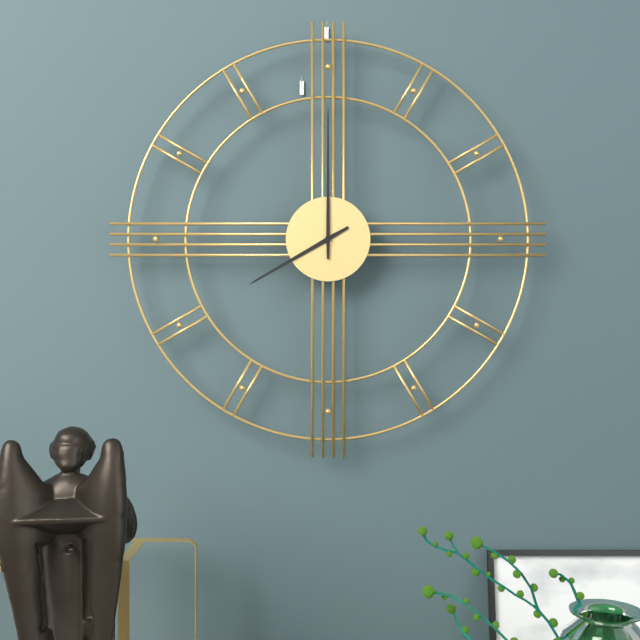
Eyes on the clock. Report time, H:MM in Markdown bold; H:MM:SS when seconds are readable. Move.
**8:00**
